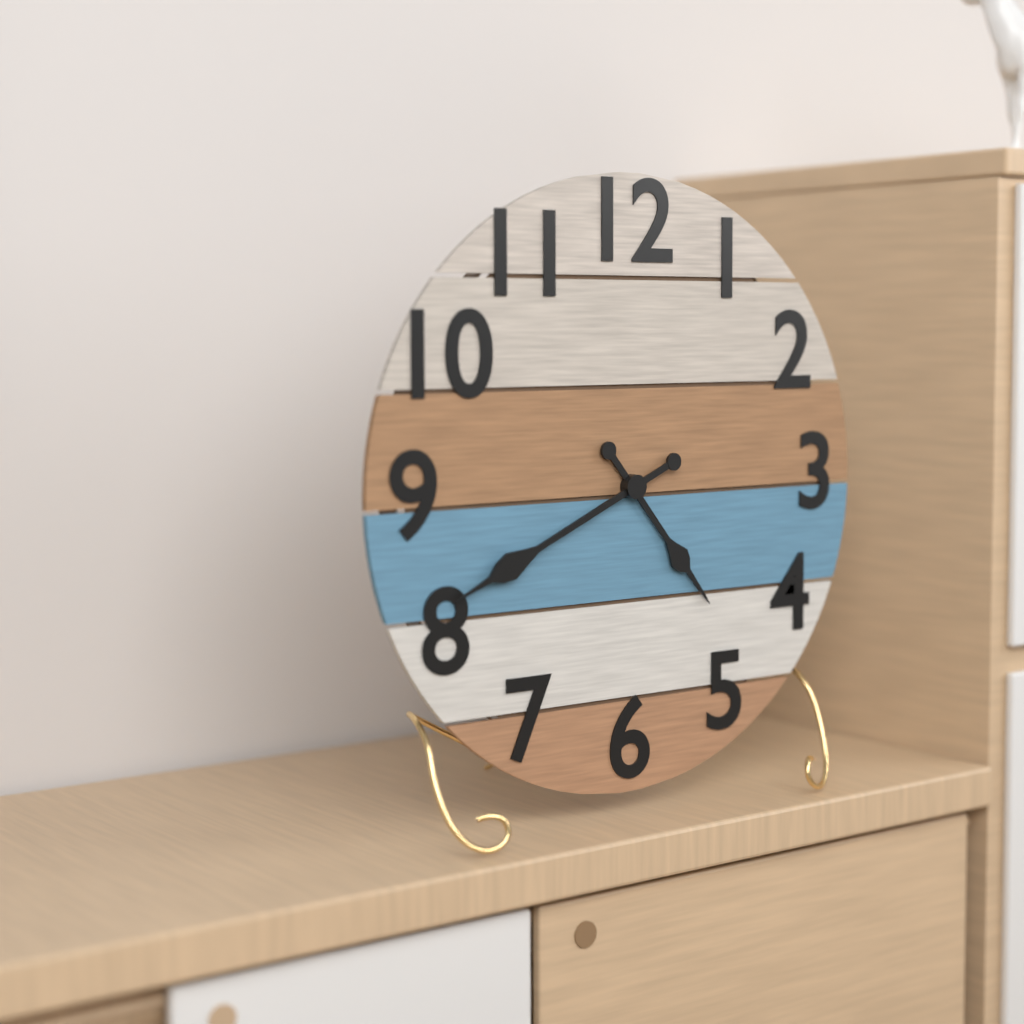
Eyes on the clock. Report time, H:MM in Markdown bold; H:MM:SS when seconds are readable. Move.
**4:41**
